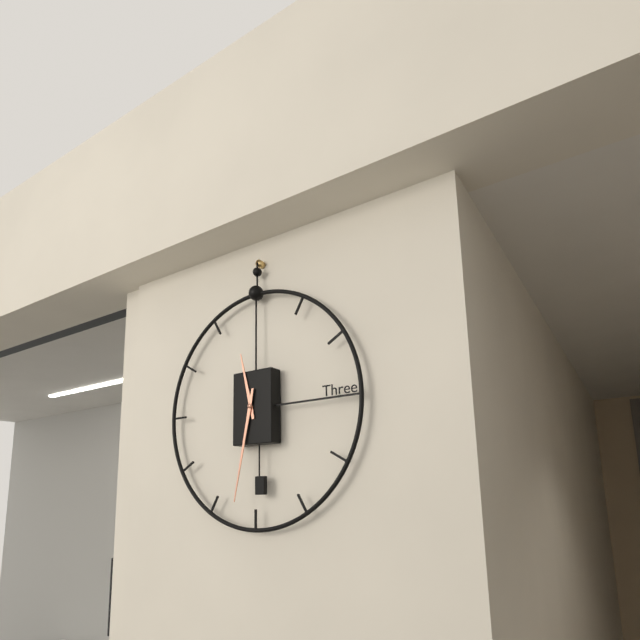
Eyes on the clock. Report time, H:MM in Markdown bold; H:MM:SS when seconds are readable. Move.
**11:32**
